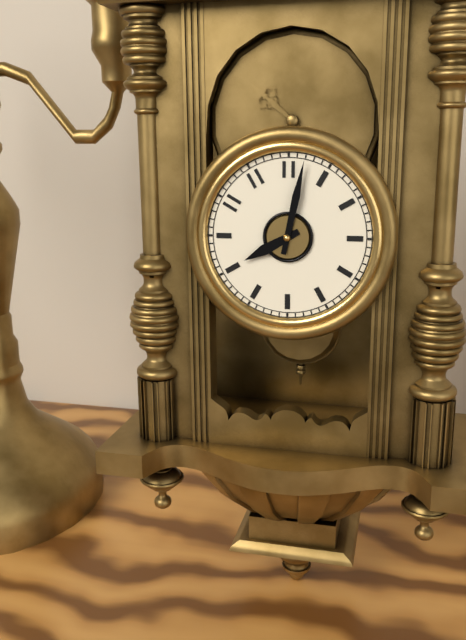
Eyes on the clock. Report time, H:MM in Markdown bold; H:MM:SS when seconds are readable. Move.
**8:02**
